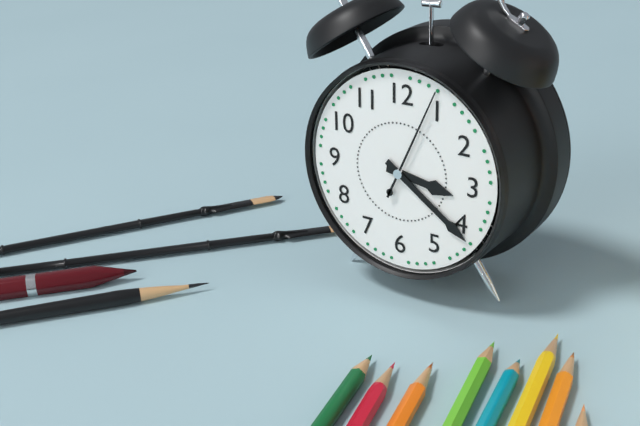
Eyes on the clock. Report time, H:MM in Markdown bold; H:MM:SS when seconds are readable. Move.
**3:21:04**
